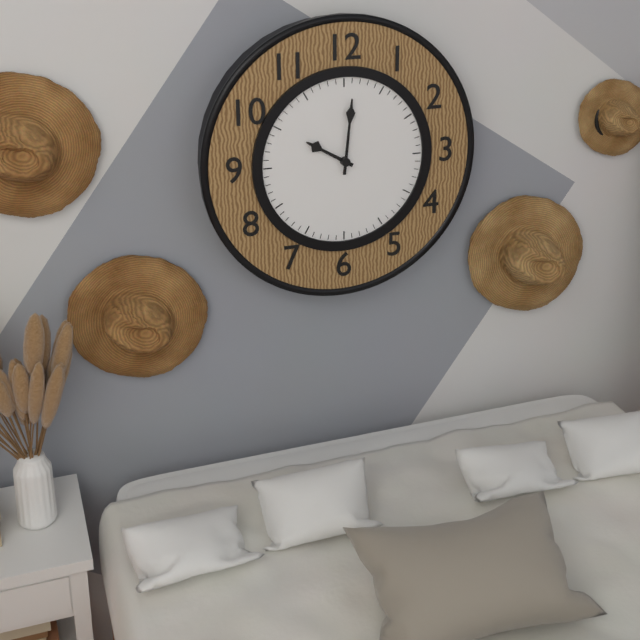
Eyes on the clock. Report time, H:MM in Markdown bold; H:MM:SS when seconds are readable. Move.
**10:01**
